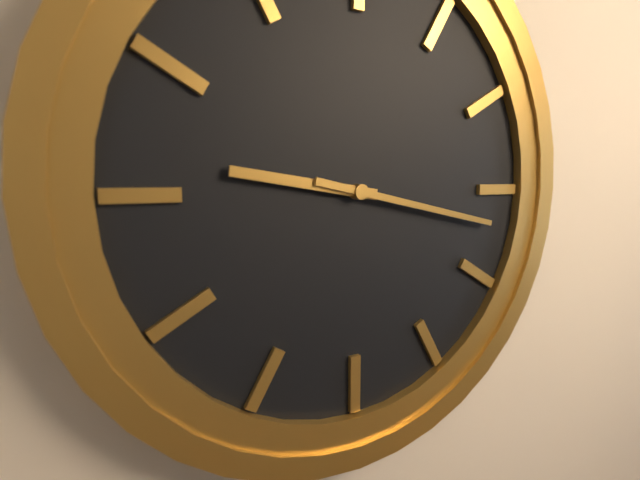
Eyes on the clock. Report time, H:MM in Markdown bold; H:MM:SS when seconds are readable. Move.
**9:17**
